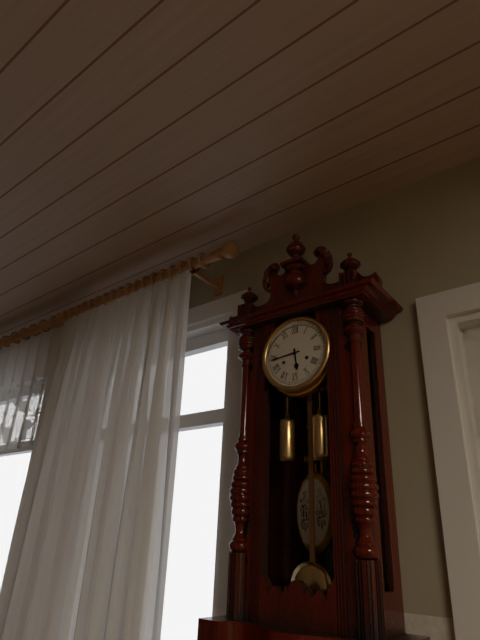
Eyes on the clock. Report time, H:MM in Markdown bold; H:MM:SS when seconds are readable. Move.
**5:44**
